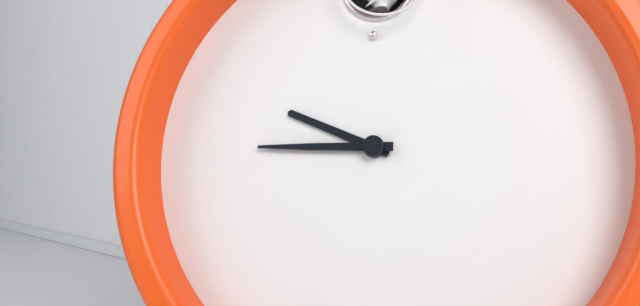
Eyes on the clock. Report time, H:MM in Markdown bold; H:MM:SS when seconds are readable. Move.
**9:45**
